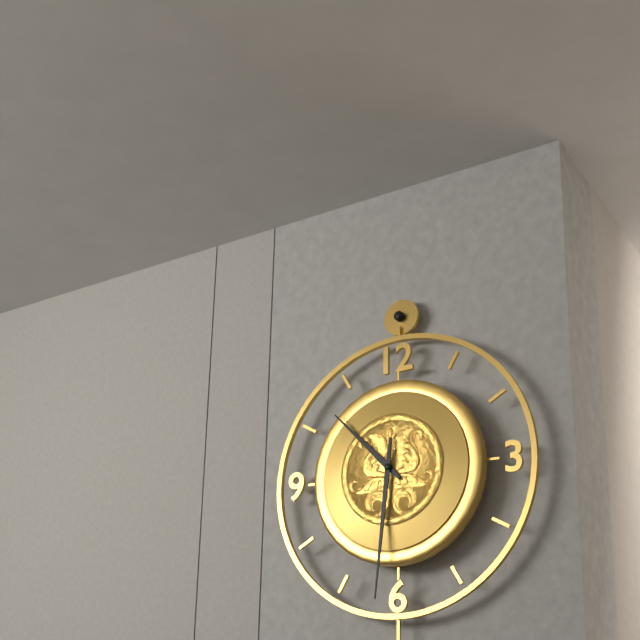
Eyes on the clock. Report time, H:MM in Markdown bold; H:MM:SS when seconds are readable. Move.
**10:31**
